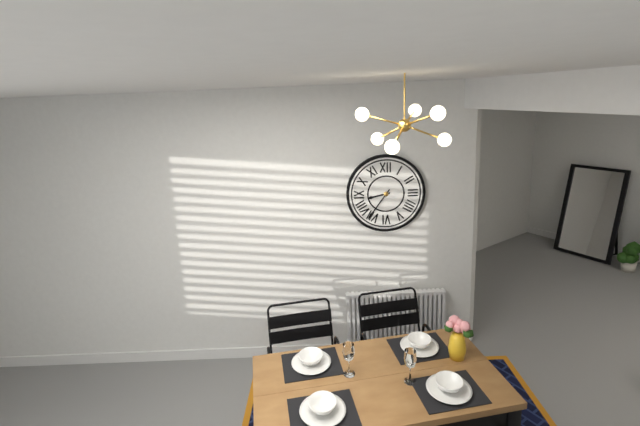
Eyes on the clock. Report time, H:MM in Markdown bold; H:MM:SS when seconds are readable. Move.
**8:36**
